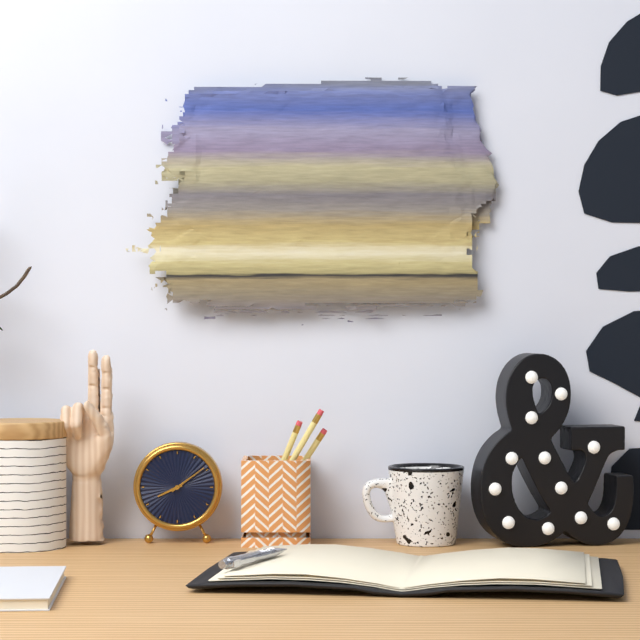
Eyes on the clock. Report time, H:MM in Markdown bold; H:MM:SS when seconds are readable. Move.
**8:09**
